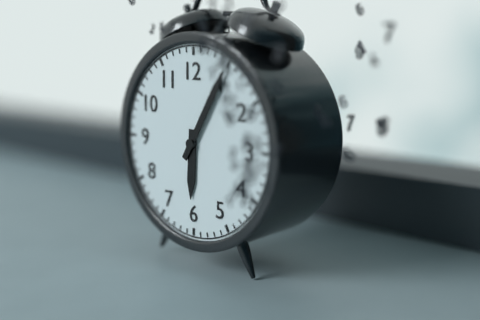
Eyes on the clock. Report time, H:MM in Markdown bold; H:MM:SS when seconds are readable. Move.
**6:05**
